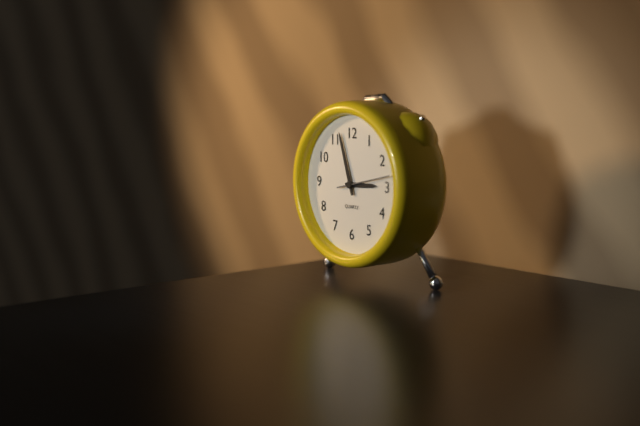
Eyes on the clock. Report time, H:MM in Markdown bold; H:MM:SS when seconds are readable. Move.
**2:57**
